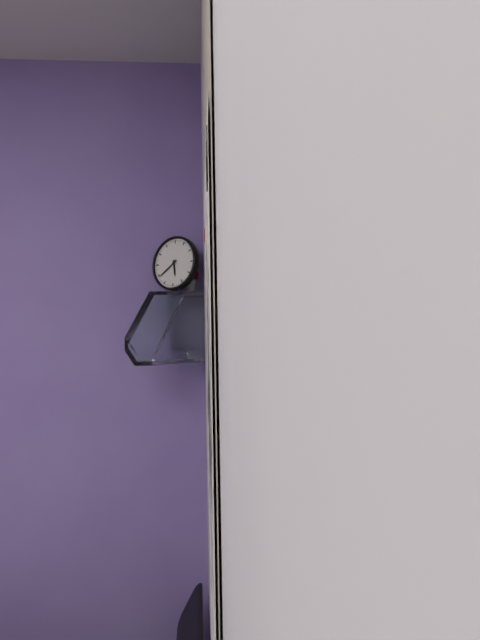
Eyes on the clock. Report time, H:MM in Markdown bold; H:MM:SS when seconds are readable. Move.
**5:39**
